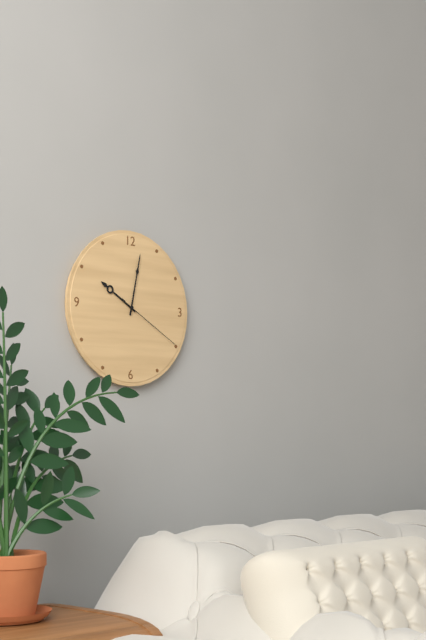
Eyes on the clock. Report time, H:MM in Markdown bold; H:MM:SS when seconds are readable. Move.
**10:02:20**
